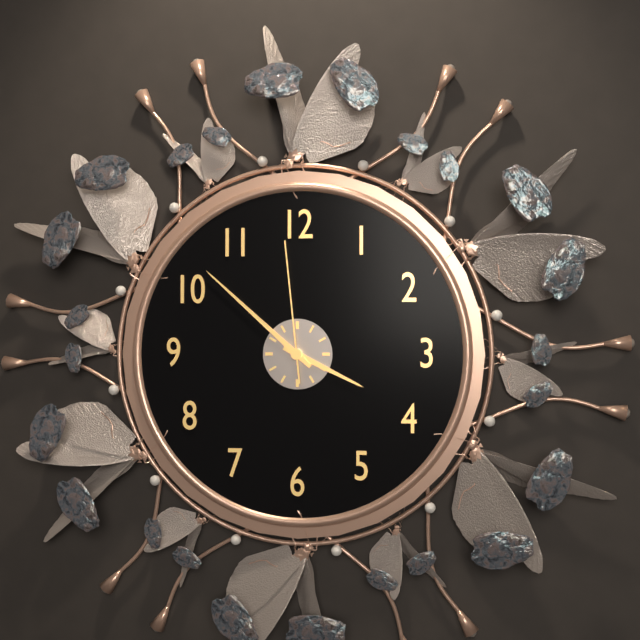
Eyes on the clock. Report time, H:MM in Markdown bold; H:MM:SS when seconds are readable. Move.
**3:52:59**
